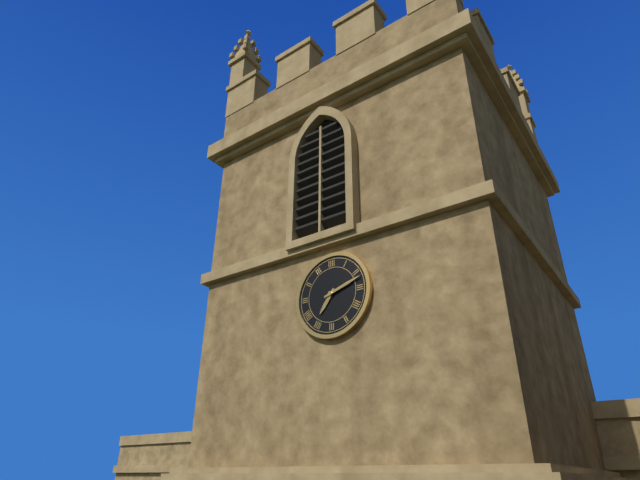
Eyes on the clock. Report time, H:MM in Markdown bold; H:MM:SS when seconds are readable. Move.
**7:12**
